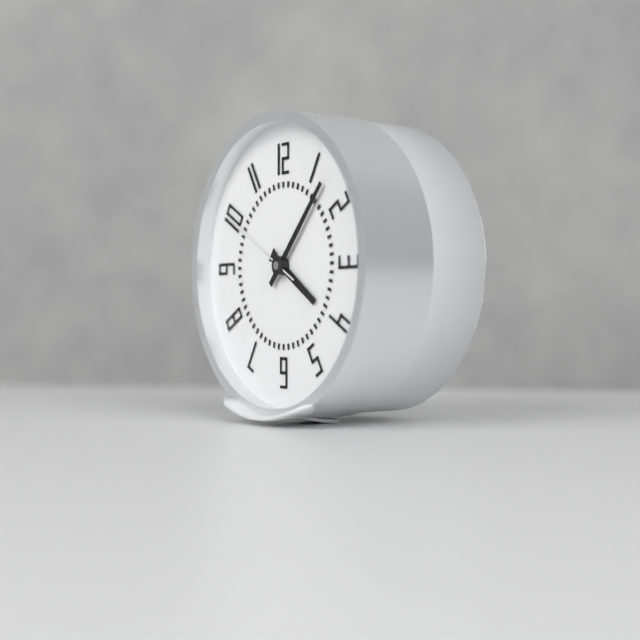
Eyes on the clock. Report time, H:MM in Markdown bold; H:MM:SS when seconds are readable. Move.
**4:07:50**
